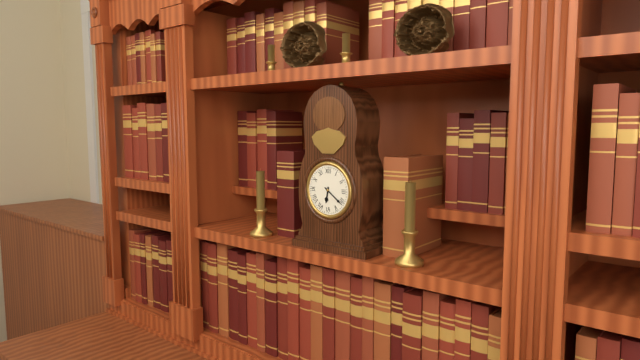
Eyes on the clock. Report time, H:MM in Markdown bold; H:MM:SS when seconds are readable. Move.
**6:21**
